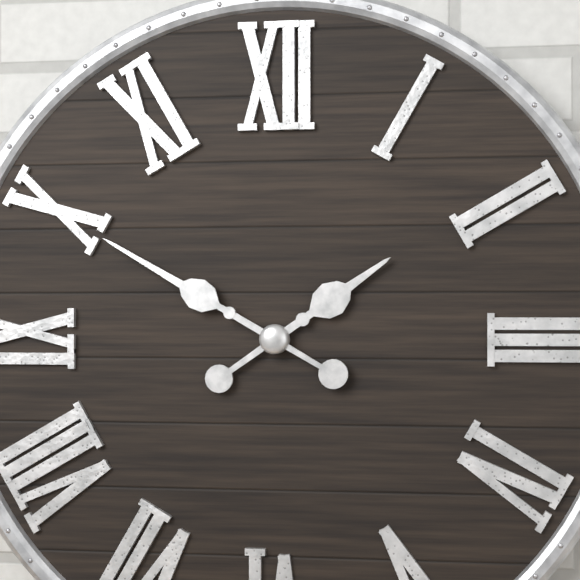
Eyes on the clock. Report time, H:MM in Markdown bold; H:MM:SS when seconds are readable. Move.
**1:50**
